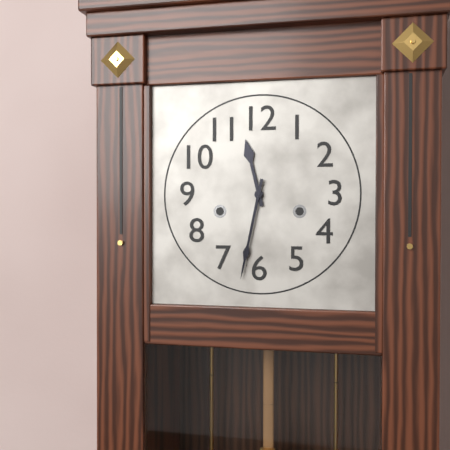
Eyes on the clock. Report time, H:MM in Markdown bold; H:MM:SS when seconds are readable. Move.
**11:32**
